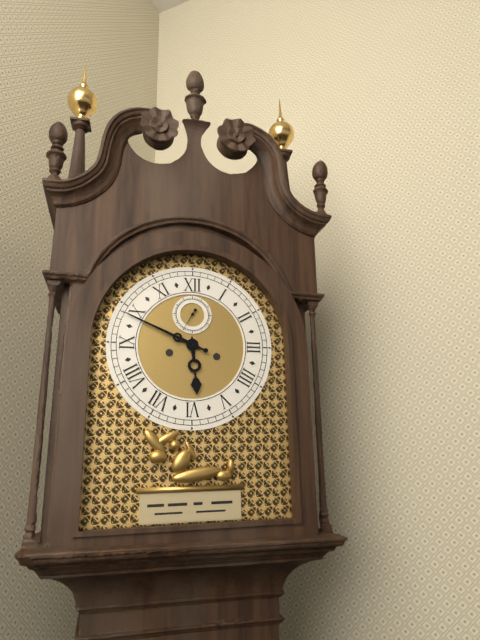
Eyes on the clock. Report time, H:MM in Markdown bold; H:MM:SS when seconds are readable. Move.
**5:49**
